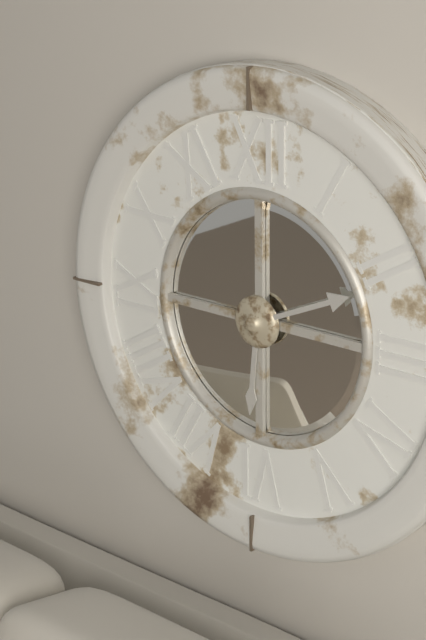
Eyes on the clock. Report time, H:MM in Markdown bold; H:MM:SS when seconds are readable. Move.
**6:11**
